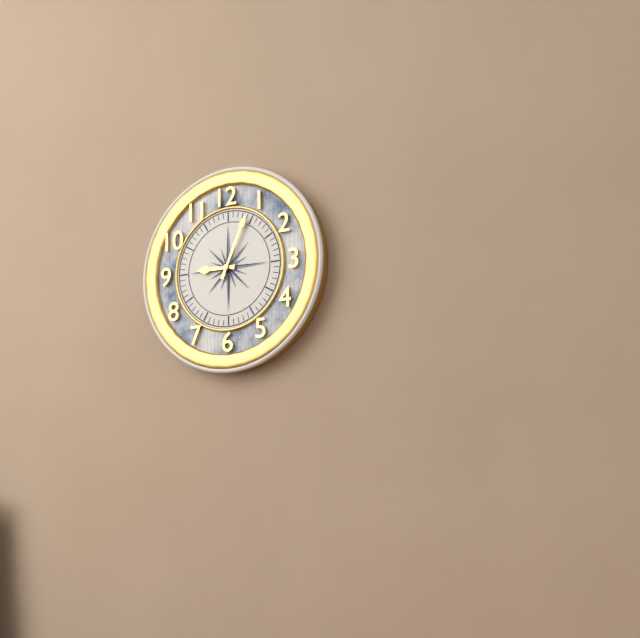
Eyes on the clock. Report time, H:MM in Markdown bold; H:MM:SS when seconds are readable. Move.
**9:04**
